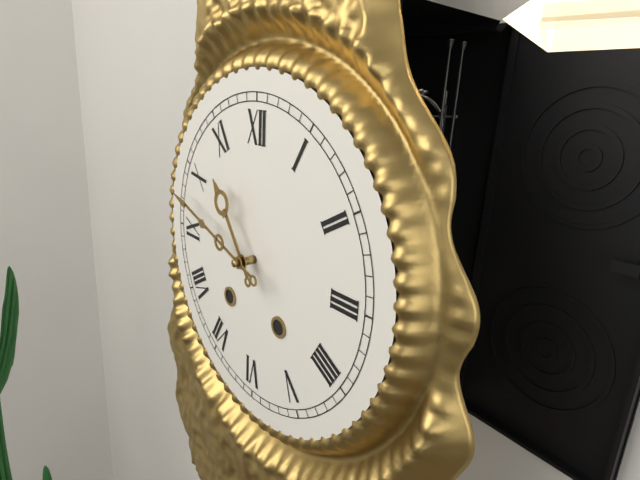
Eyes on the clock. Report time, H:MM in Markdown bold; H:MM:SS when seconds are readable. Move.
**10:48**
